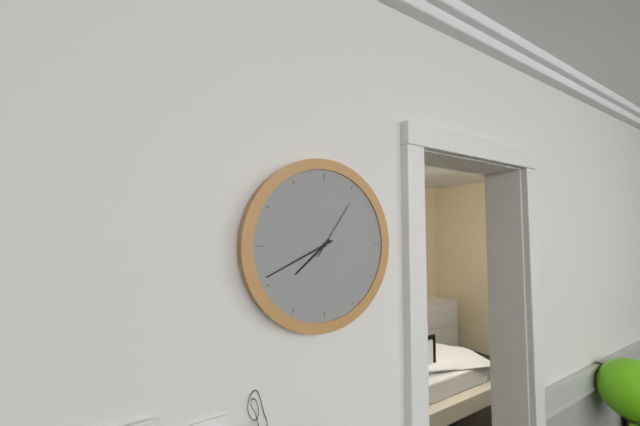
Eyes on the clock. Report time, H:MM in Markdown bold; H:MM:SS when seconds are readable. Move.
**7:41:06**
